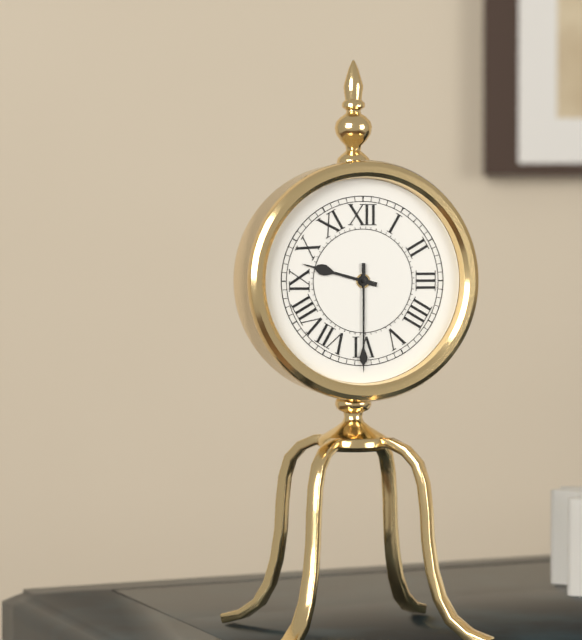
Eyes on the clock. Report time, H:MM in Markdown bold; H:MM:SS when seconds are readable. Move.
**9:30**
